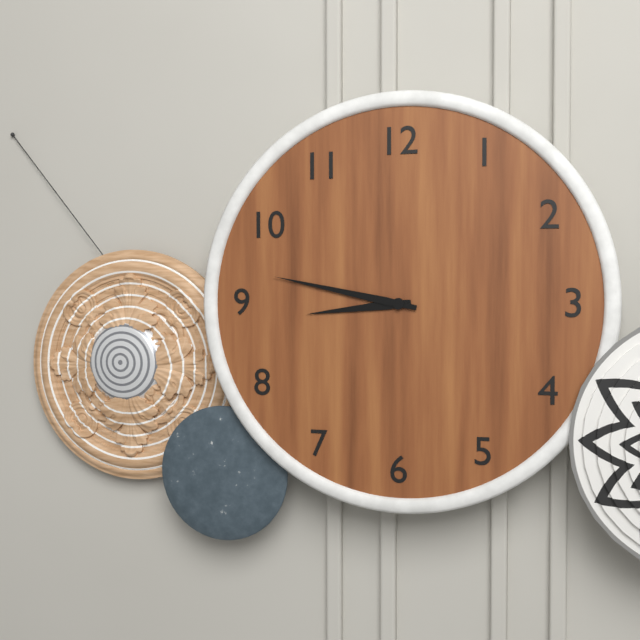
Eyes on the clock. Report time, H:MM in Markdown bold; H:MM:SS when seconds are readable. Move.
**8:47**
